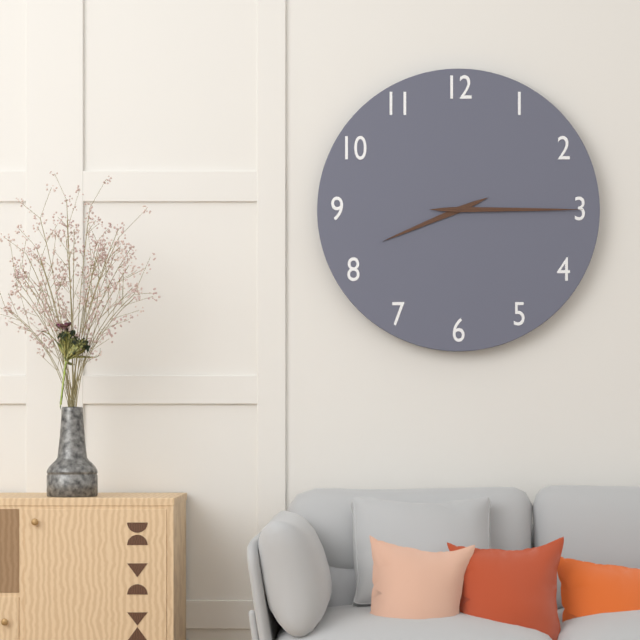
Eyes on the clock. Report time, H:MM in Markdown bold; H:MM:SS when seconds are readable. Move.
**8:15**
